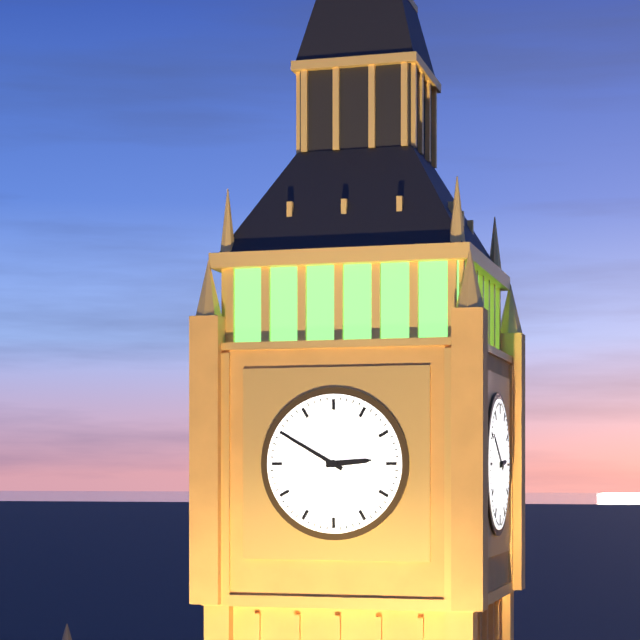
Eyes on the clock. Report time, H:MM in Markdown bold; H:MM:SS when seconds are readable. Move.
**2:50**
